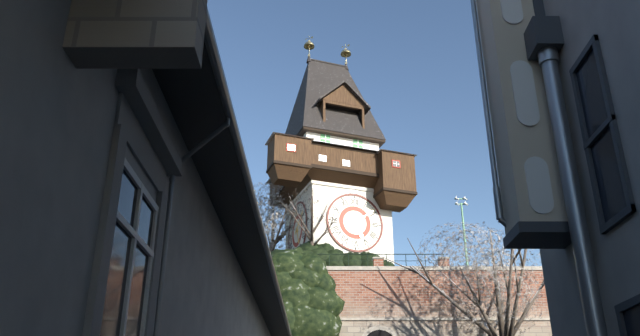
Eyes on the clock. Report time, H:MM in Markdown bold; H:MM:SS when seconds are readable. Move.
**5:09**
